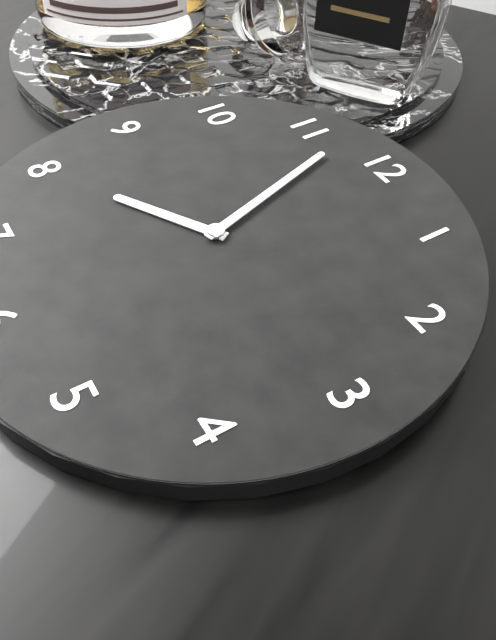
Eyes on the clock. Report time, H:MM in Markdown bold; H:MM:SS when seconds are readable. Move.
**7:57**
